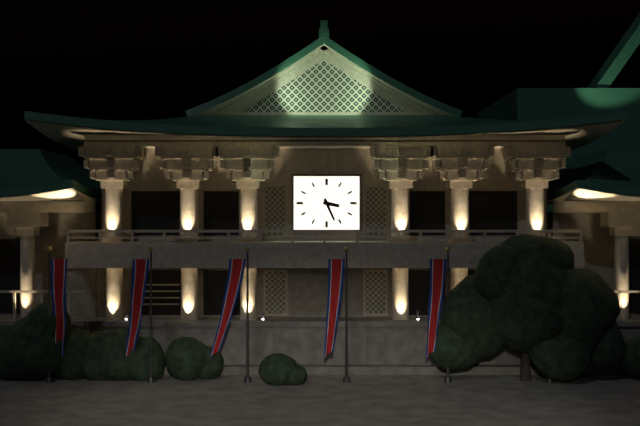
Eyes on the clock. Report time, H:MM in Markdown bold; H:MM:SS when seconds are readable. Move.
**3:26**
